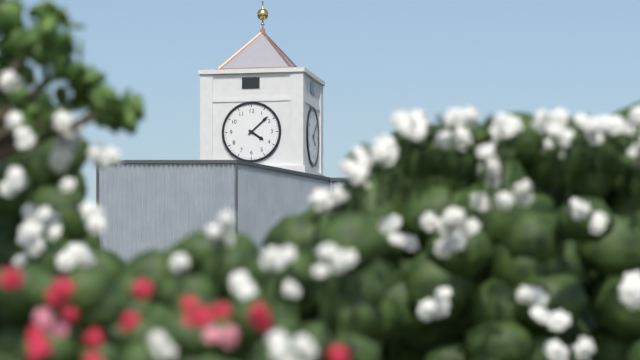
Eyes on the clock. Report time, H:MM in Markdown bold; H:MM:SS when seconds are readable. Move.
**4:08**
